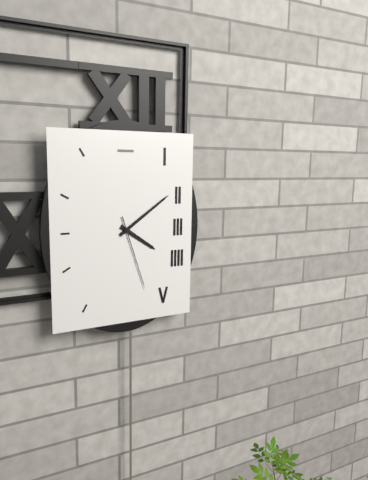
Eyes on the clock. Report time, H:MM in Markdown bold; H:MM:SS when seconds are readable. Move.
**4:09:27**
